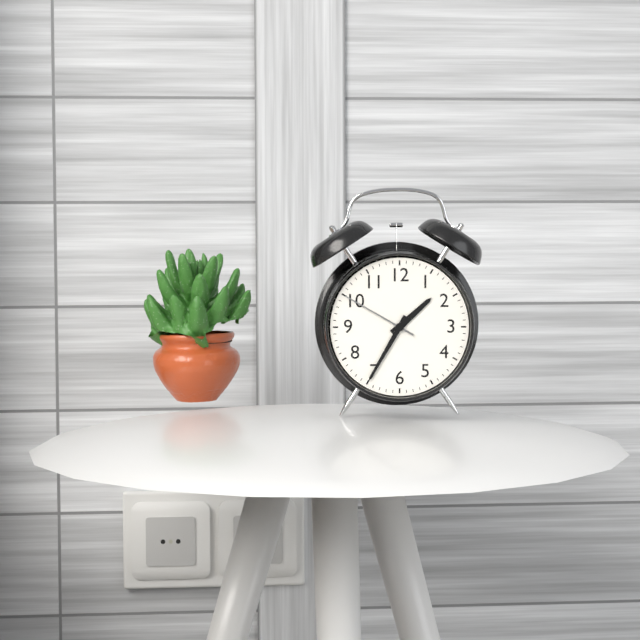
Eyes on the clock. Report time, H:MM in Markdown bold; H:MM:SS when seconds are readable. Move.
**1:35:50**
